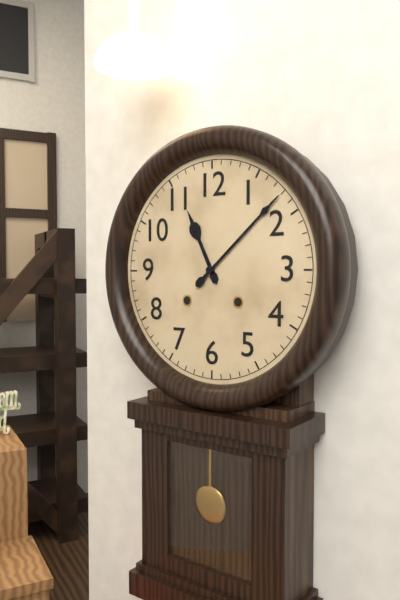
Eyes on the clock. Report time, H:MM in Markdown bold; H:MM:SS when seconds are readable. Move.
**11:08**
